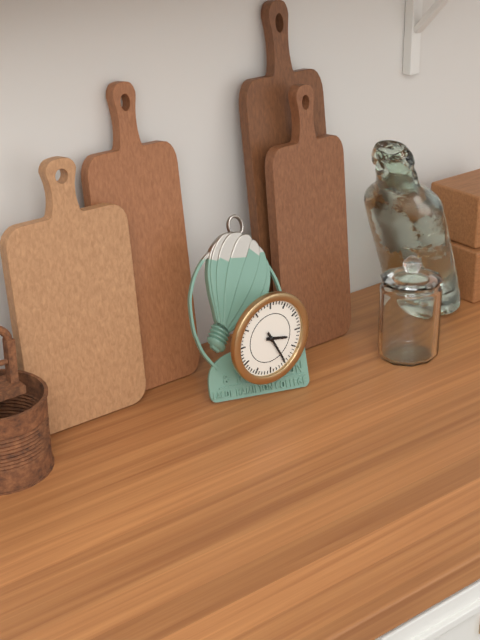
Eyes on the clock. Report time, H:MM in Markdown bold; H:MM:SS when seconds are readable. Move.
**3:25**
